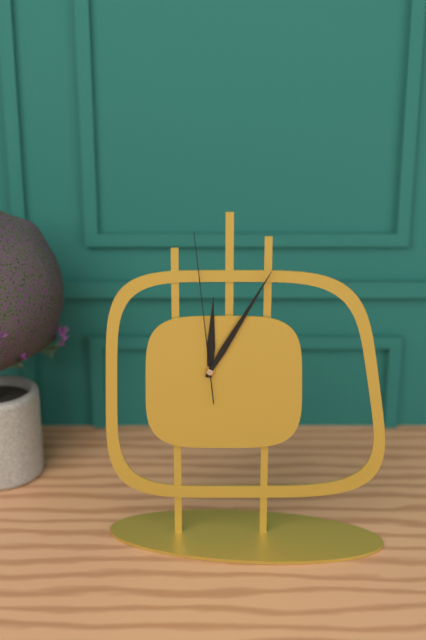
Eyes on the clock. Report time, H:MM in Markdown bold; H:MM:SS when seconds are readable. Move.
**12:05:59**
